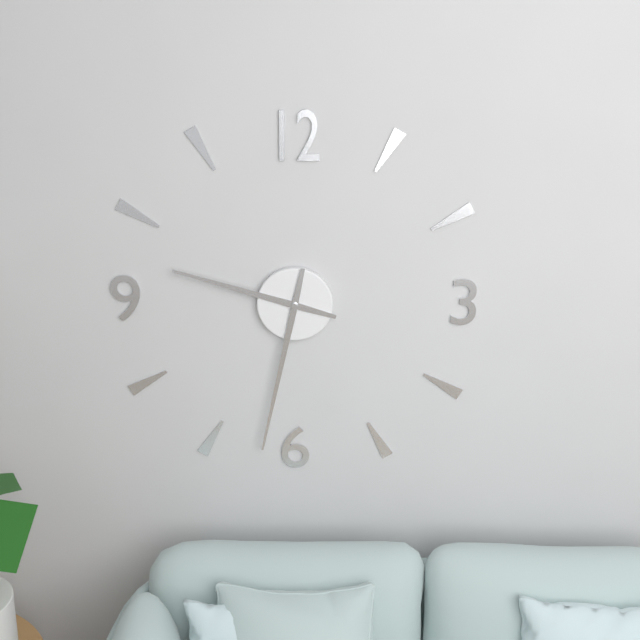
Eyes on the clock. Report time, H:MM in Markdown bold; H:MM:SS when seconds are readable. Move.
**9:32**
